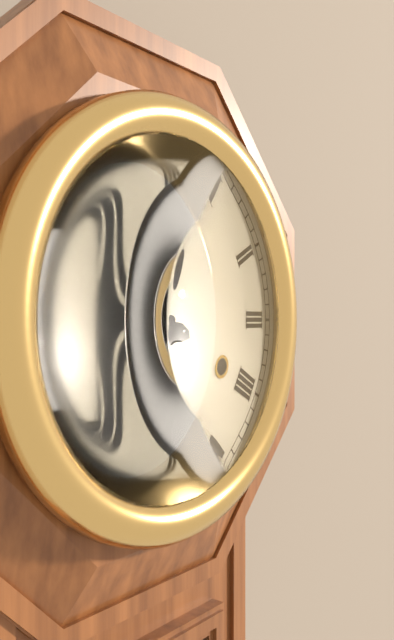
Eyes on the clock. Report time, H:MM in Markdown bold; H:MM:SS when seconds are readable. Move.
**10:03**
